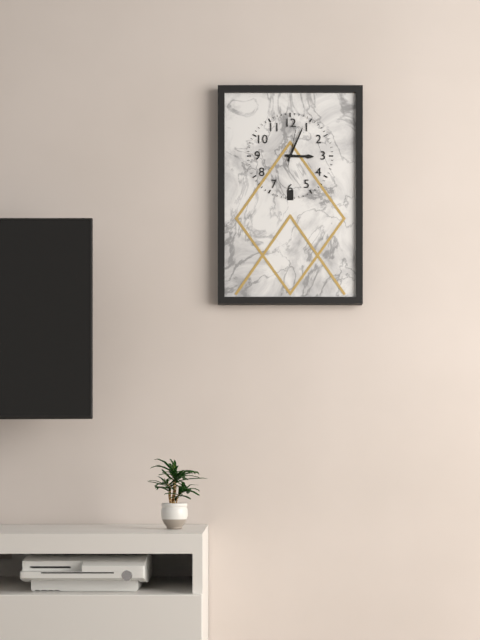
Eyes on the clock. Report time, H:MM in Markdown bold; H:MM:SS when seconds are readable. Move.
**3:04**
